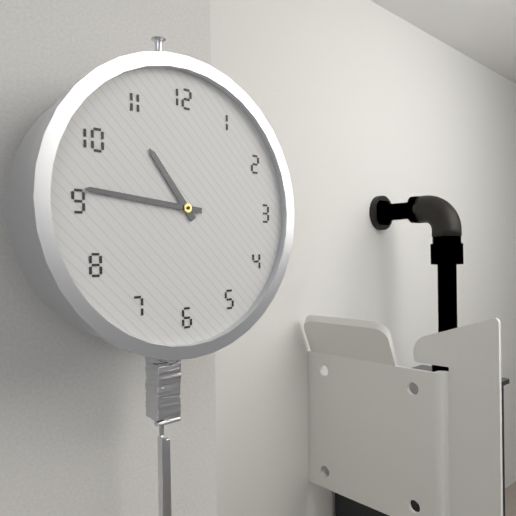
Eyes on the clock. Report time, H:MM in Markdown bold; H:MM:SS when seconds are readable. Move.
**10:46**
